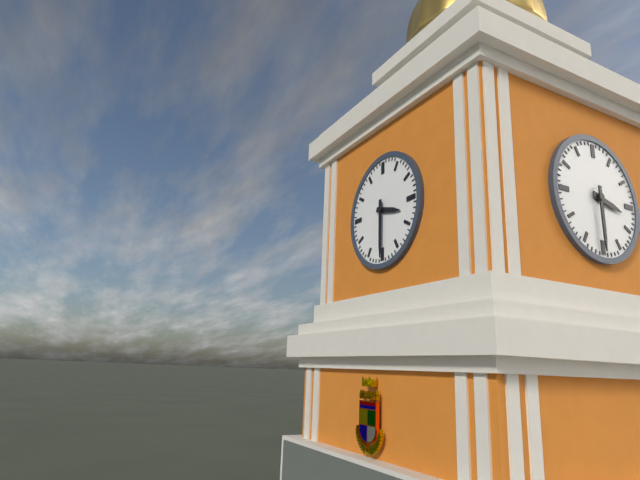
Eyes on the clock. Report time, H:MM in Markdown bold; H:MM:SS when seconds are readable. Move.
**3:30**
